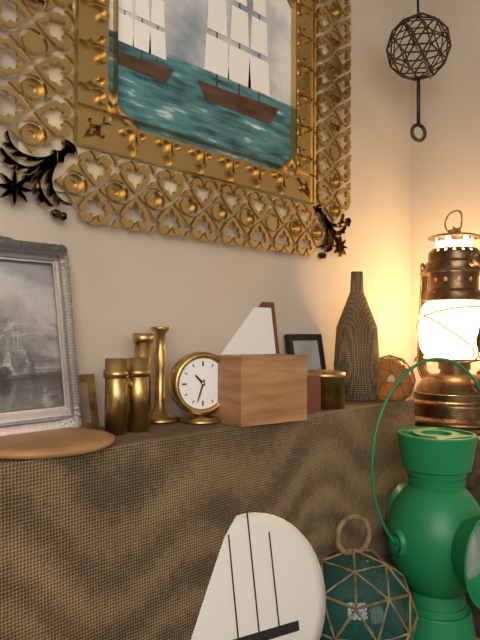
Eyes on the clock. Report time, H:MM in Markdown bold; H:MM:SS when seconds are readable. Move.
**10:33**
